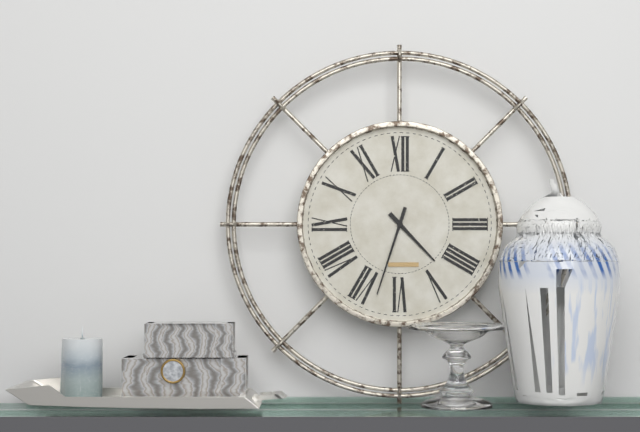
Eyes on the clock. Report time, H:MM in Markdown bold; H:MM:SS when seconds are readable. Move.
**4:33**
